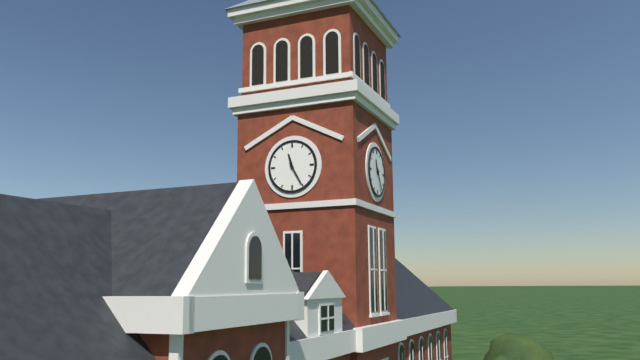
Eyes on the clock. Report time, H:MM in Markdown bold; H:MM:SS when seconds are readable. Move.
**11:25**
